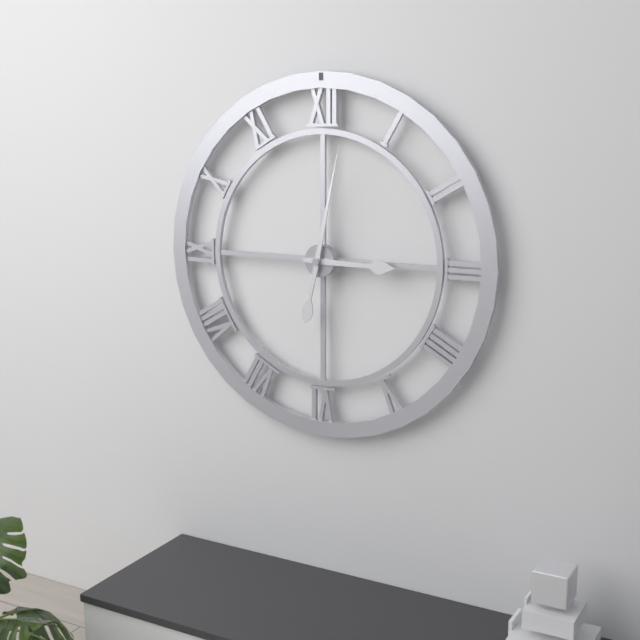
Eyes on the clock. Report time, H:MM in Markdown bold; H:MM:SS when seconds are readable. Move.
**3:02**
